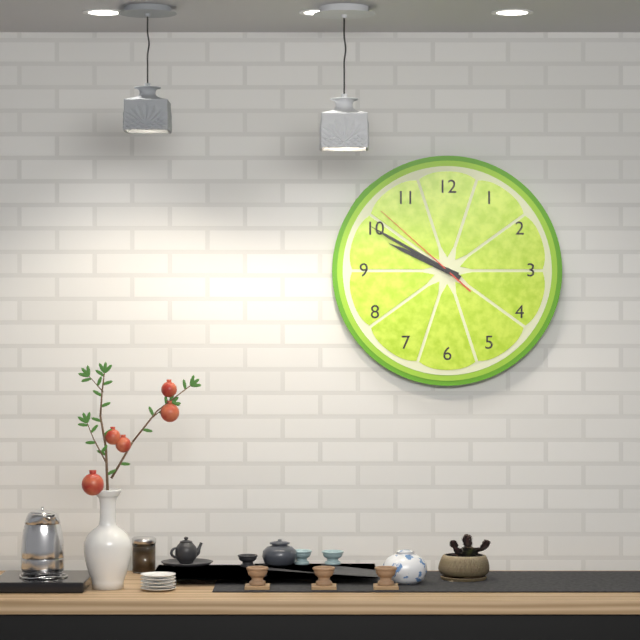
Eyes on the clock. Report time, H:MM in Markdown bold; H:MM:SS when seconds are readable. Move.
**9:50:52**
